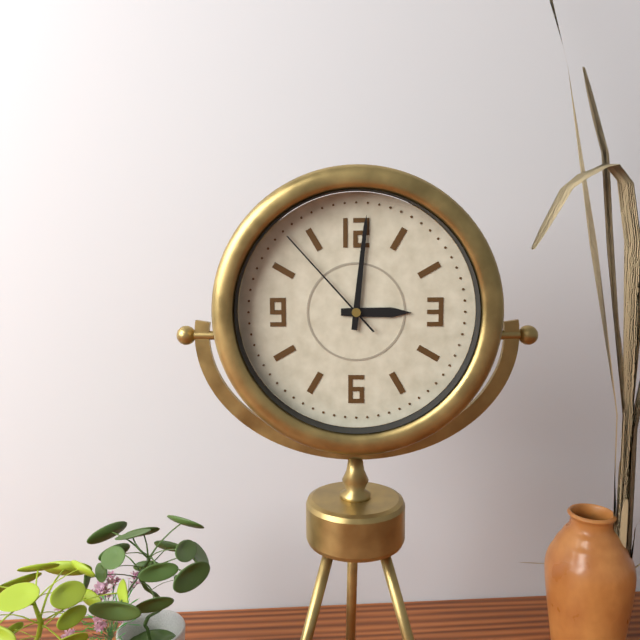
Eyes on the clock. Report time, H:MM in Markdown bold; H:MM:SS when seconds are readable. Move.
**3:01:53**
